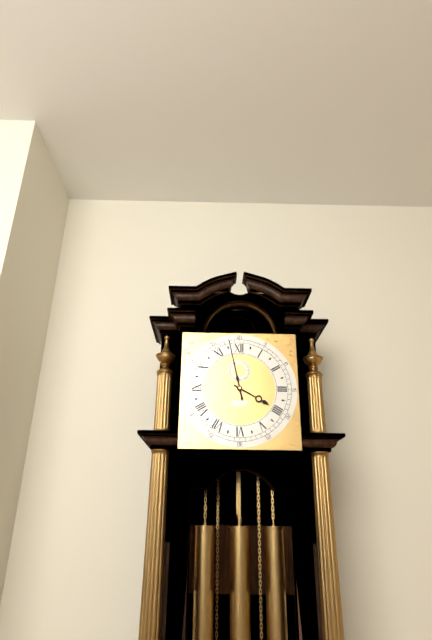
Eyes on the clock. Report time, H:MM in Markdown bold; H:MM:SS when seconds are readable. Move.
**3:58**
